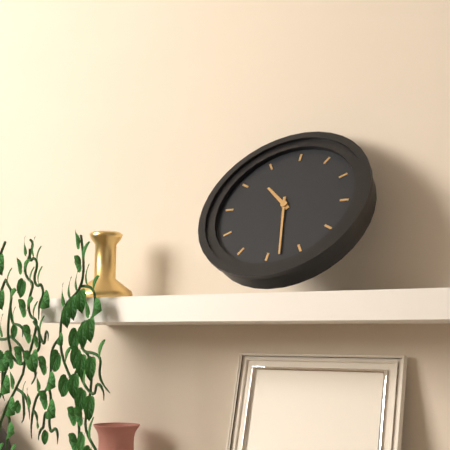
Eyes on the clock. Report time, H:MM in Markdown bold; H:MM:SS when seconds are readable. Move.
**10:28**
